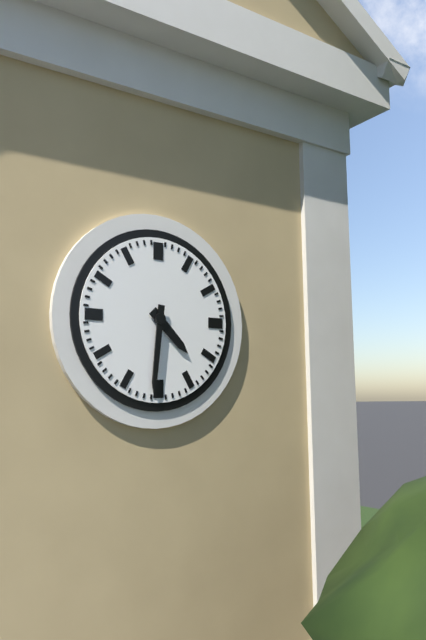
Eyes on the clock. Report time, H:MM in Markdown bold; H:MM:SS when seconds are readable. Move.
**4:31**
